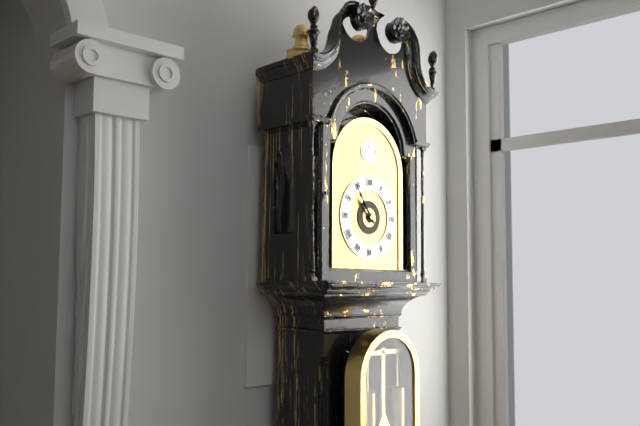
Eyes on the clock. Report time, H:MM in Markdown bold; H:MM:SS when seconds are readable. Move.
**10:54**
